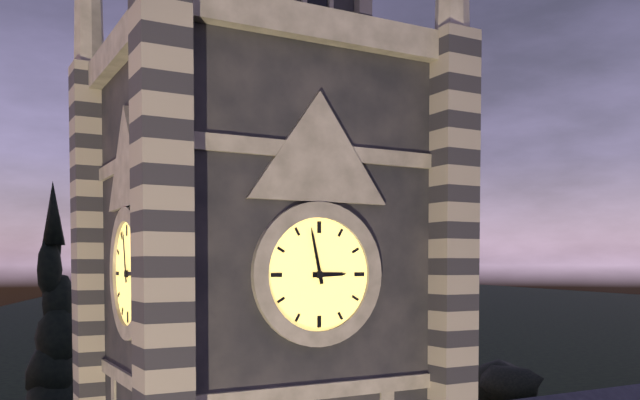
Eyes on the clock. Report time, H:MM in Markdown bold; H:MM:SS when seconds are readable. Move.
**2:58**
